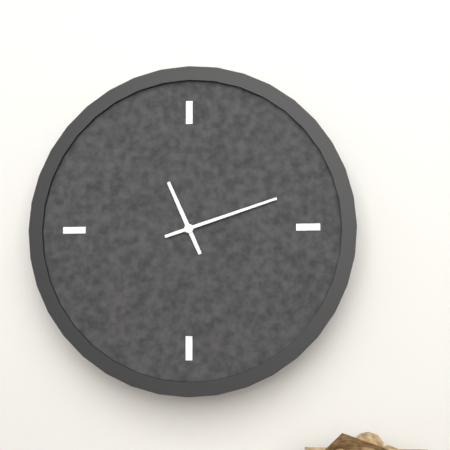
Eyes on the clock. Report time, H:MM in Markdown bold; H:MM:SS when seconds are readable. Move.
**11:12**
